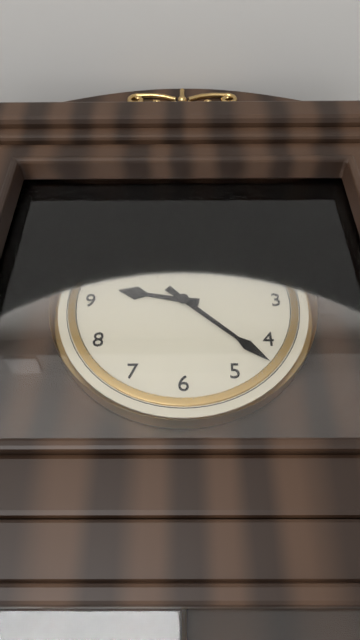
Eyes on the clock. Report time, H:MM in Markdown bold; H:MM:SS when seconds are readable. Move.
**9:22**
